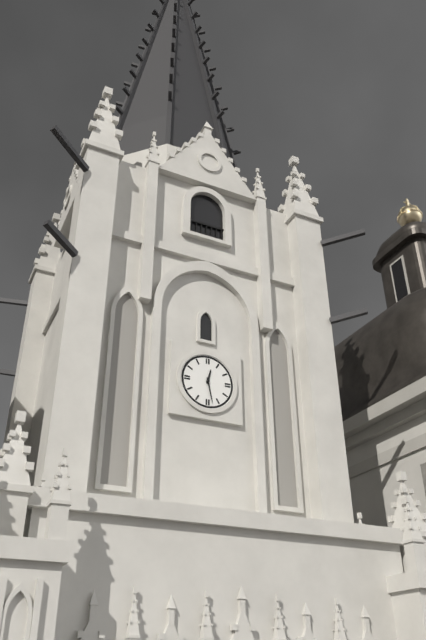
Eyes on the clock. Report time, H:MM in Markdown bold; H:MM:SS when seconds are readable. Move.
**12:28**
